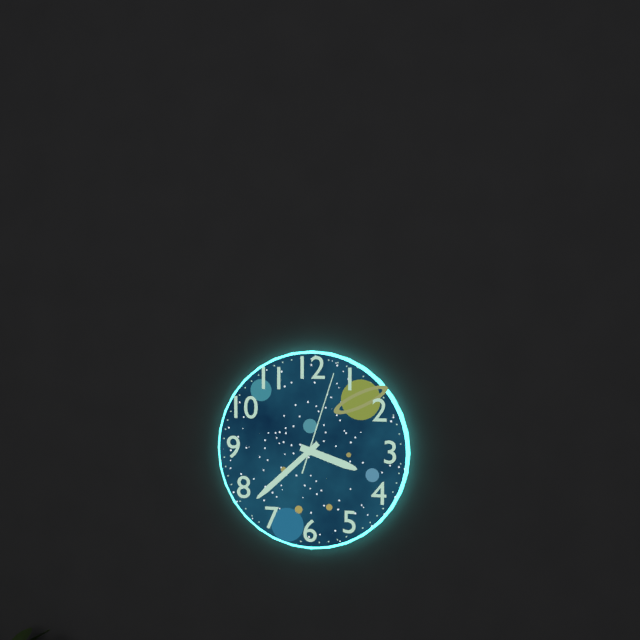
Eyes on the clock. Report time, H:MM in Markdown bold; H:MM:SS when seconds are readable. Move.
**3:38:03**
